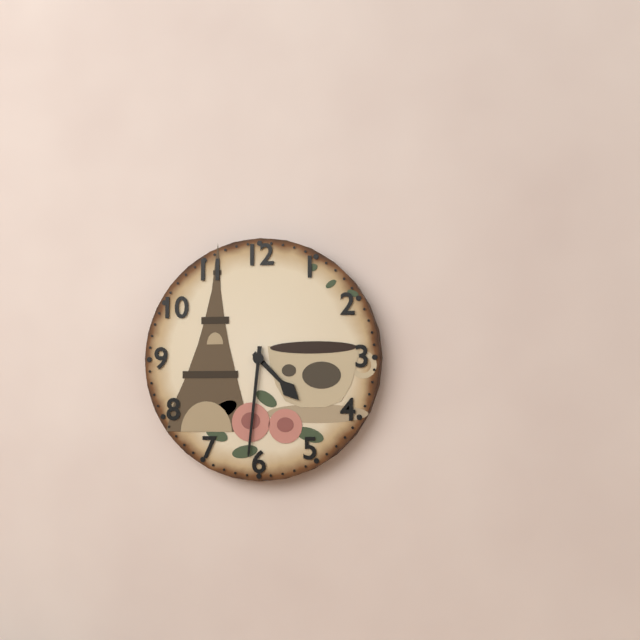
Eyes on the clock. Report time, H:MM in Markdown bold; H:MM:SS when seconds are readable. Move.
**4:31**
